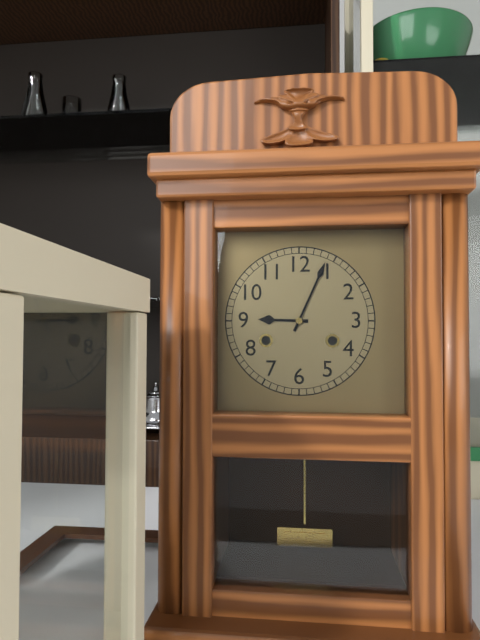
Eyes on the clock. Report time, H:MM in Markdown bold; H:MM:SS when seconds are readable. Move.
**9:04**
